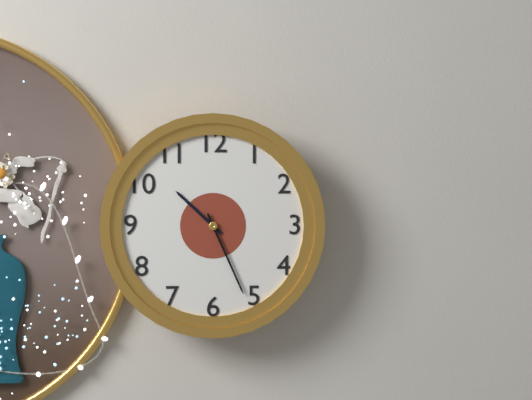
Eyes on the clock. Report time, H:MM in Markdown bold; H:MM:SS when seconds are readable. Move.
**10:26**
